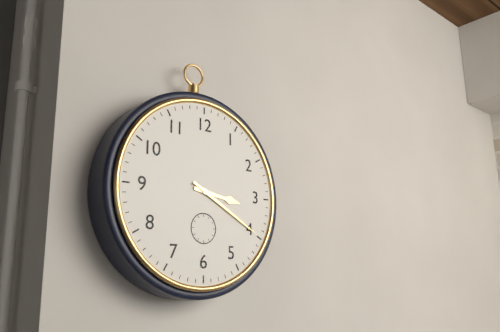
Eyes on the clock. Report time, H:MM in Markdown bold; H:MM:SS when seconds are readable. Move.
**3:20**
